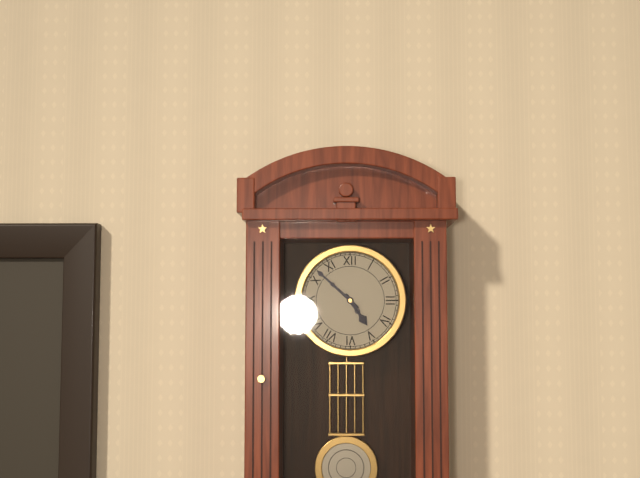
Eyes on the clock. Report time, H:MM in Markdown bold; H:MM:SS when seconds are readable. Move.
**4:52**
